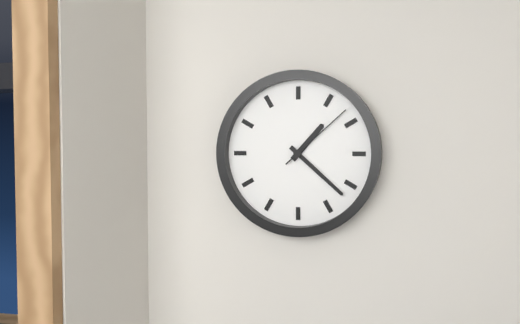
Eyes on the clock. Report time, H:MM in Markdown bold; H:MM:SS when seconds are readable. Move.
**1:22:08**
